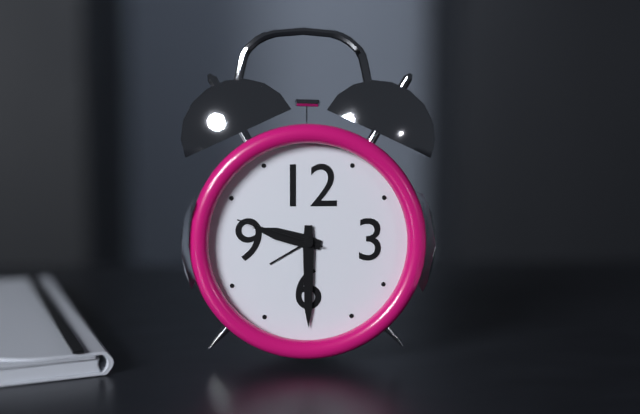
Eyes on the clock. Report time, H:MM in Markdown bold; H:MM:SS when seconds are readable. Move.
**9:30:48**
